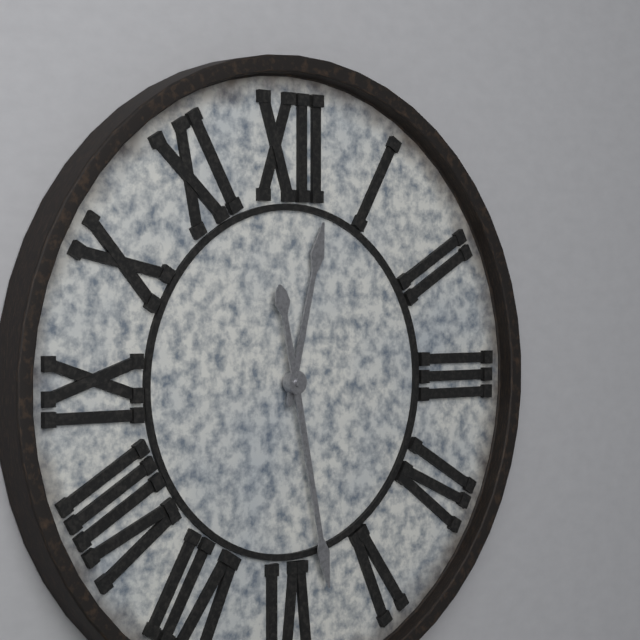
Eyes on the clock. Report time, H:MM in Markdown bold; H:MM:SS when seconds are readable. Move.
**12:28**
